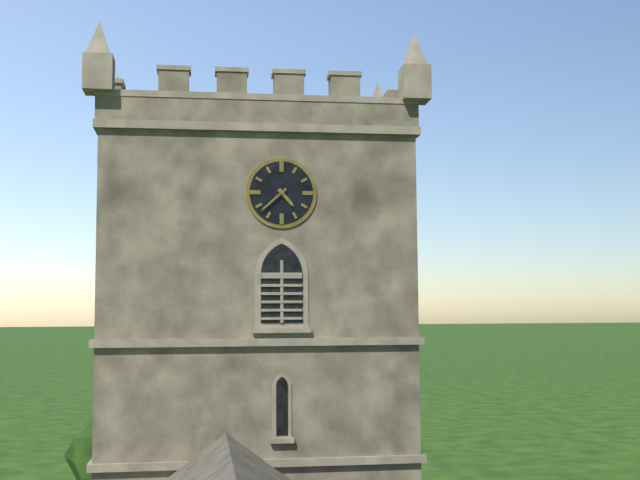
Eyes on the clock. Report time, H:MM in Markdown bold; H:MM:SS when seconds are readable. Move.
**4:38**
